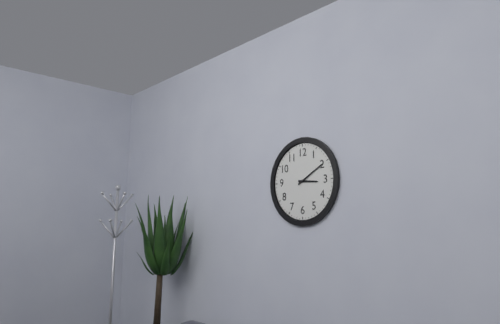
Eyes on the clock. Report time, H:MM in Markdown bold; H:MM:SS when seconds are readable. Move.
**3:10**
